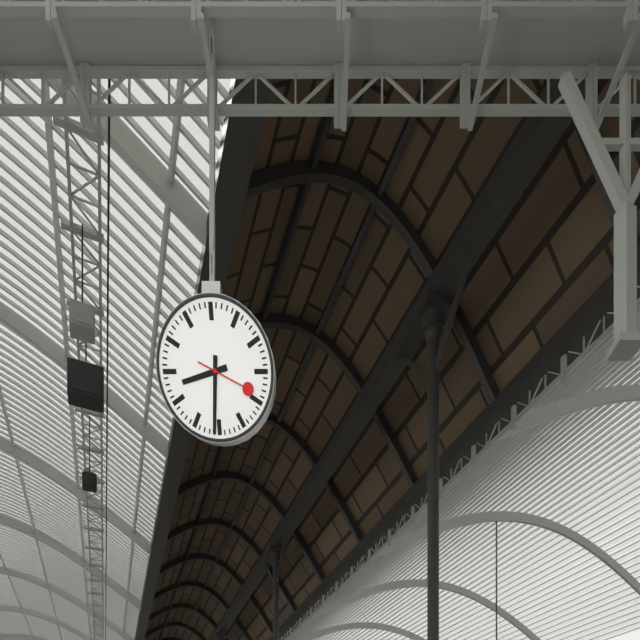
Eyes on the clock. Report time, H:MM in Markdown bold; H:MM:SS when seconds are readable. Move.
**8:31:19**
